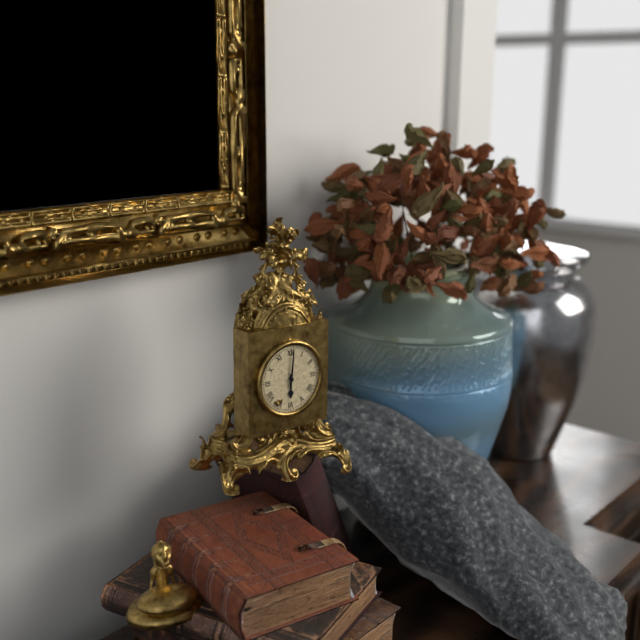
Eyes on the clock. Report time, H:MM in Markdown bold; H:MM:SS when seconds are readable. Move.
**6:01**
